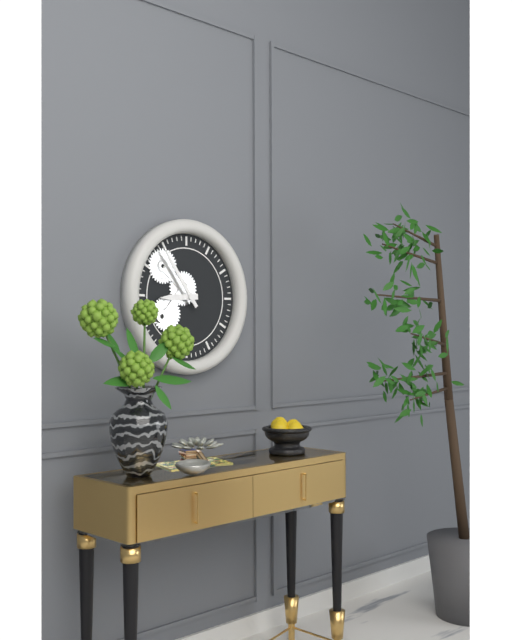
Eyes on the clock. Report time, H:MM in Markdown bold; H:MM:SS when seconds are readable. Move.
**8:54**
